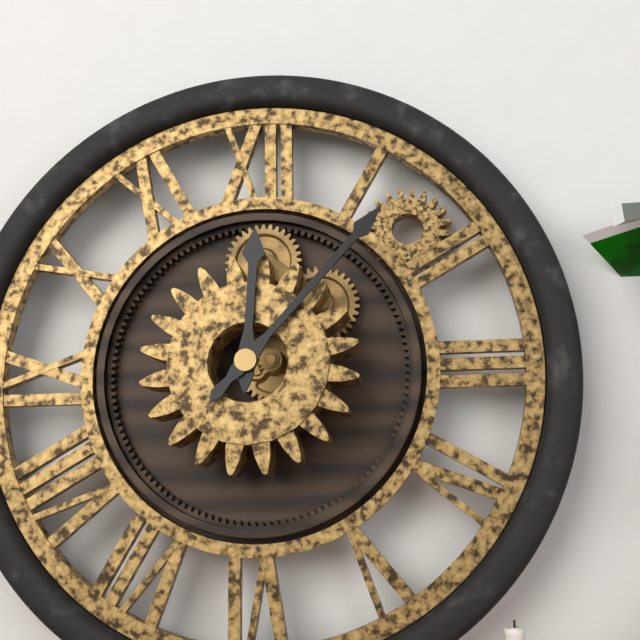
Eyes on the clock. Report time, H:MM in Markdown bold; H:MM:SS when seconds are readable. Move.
**12:07**
